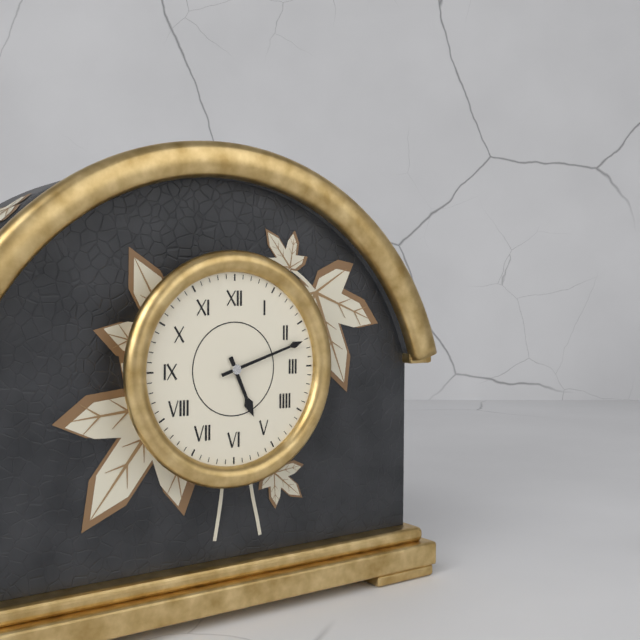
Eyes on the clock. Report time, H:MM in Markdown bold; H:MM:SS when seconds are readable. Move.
**5:12**
